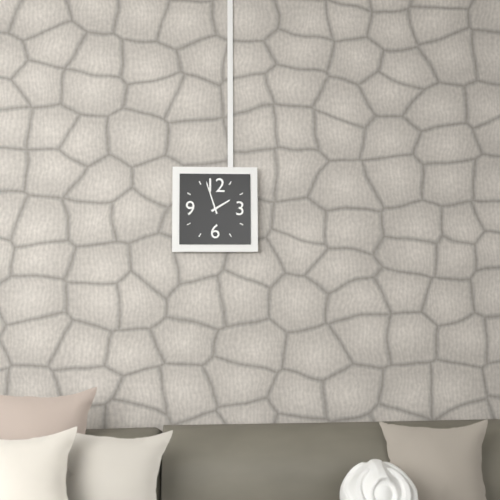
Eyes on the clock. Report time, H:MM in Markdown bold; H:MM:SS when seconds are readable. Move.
**1:57**
